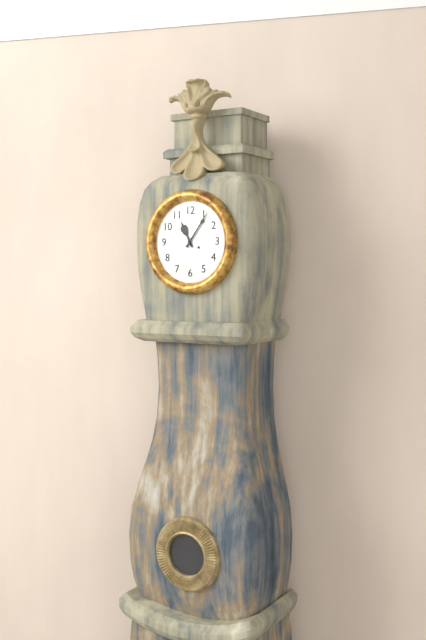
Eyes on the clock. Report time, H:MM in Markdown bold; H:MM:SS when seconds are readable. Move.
**11:06**
